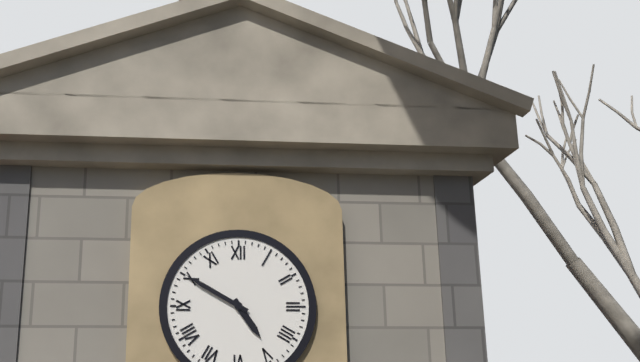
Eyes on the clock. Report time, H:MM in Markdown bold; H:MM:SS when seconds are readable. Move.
**4:50**
